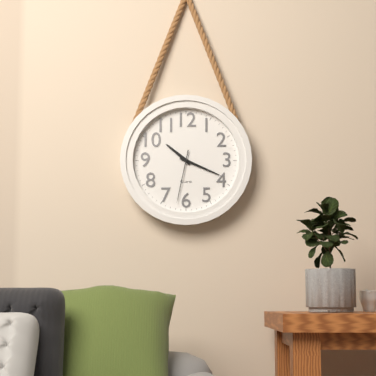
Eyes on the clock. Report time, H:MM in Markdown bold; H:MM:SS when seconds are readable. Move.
**10:19:32**
